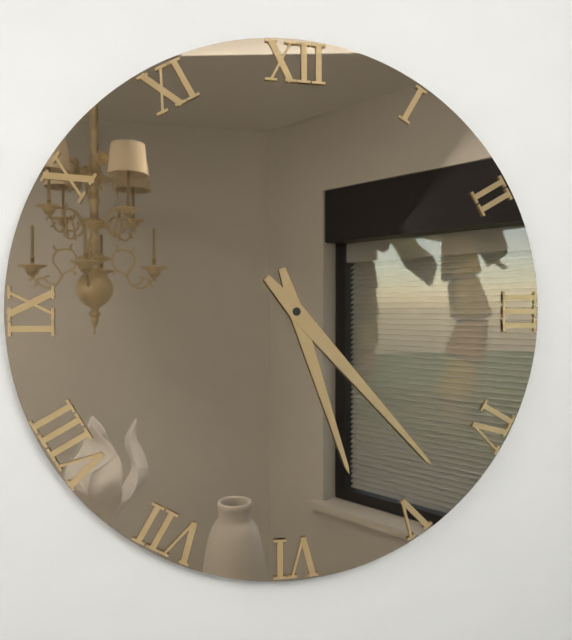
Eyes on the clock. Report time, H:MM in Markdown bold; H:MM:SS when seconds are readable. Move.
**5:23**
